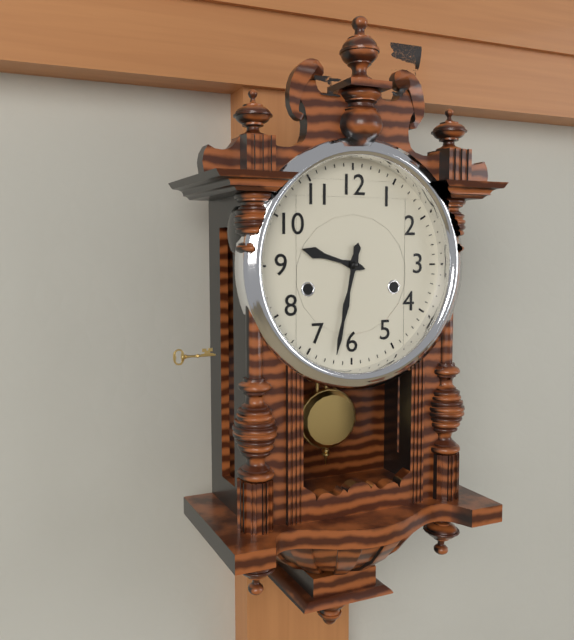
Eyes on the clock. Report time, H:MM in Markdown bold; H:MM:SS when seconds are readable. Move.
**9:32**
